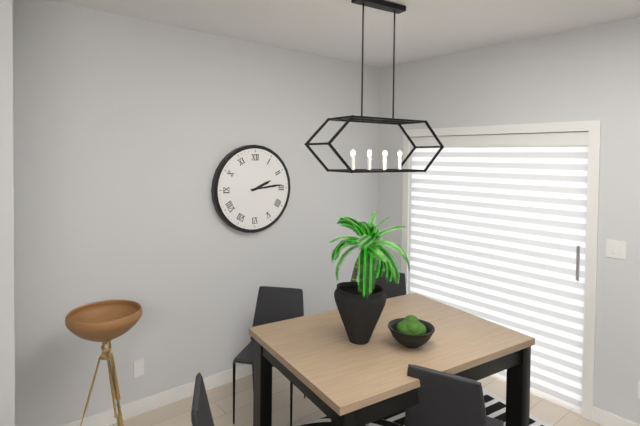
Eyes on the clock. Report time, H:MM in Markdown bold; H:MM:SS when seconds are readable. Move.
**2:14**
